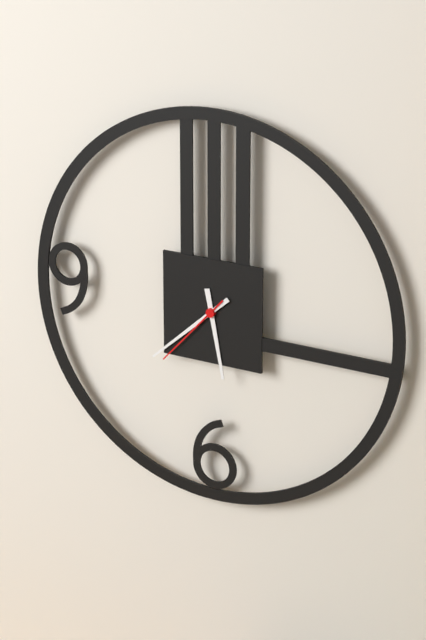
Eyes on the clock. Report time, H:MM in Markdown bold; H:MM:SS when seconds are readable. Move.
**5:38:37**
